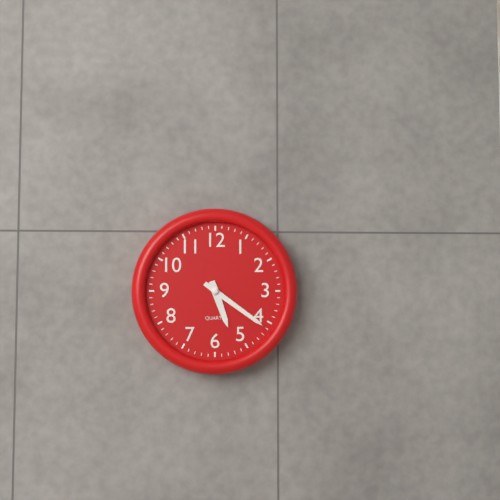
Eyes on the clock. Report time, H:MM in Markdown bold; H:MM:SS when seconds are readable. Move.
**5:21**
